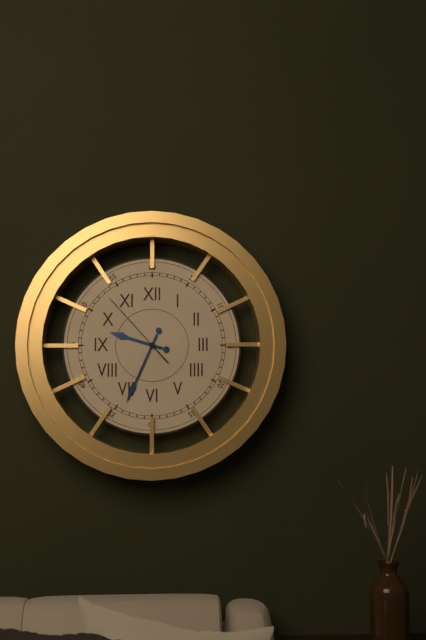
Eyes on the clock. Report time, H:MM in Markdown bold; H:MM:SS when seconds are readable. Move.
**9:34:53**
